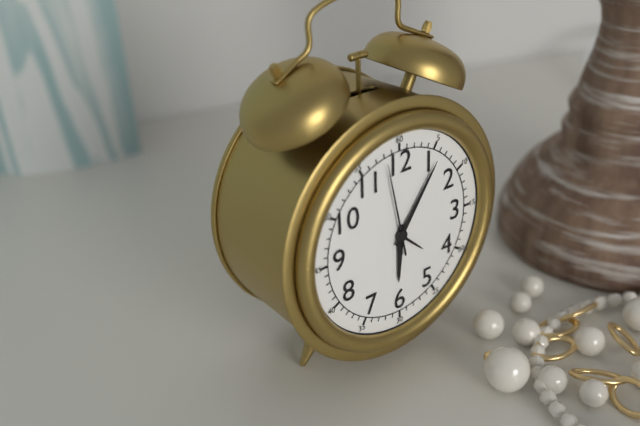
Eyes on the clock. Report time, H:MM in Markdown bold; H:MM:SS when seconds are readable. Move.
**6:06:58**
